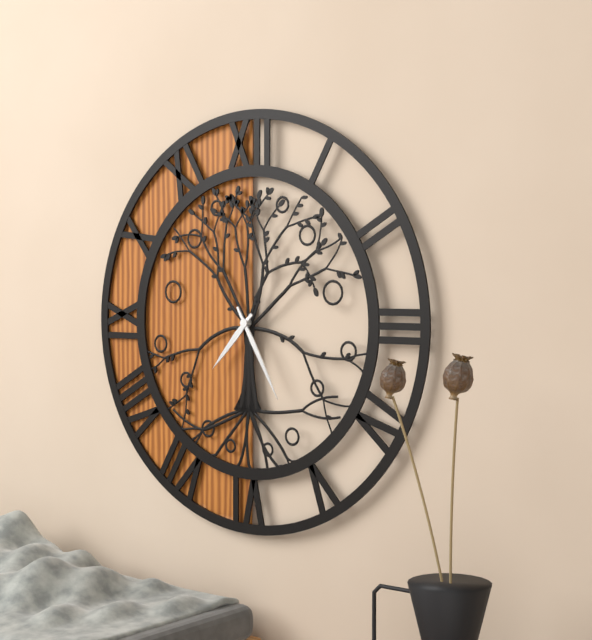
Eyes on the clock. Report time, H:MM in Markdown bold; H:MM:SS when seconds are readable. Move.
**7:25**
